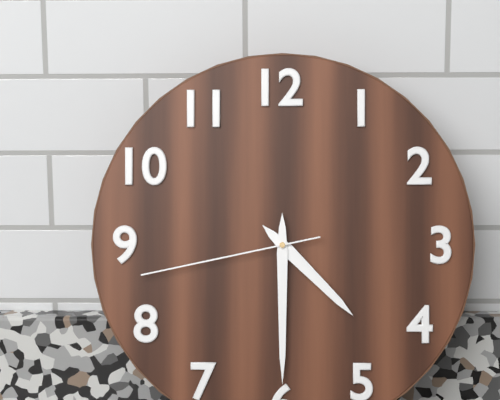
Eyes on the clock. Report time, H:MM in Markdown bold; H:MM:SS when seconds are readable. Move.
**4:30:43**
